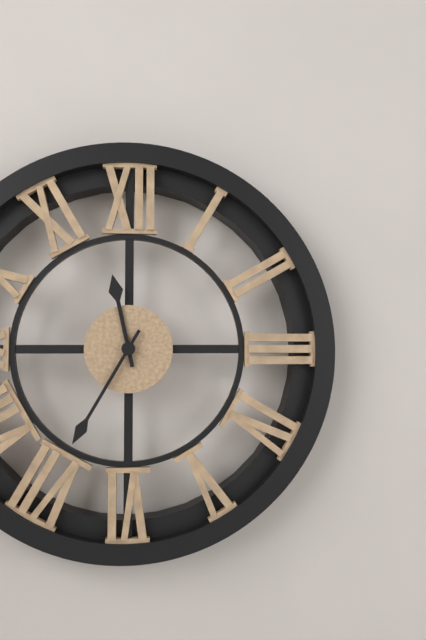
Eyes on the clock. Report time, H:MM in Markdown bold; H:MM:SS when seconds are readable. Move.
**11:35**
